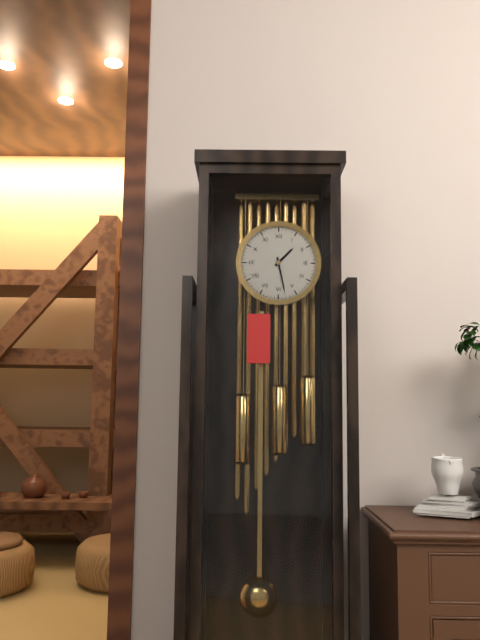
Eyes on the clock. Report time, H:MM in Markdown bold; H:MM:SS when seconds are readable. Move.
**1:28**
